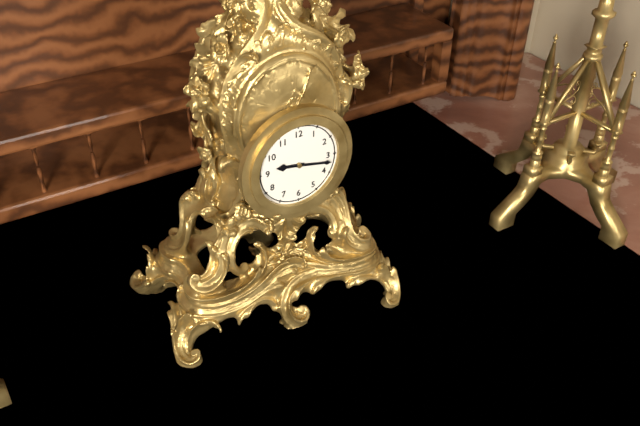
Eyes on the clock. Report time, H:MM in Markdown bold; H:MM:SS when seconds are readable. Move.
**9:17**
